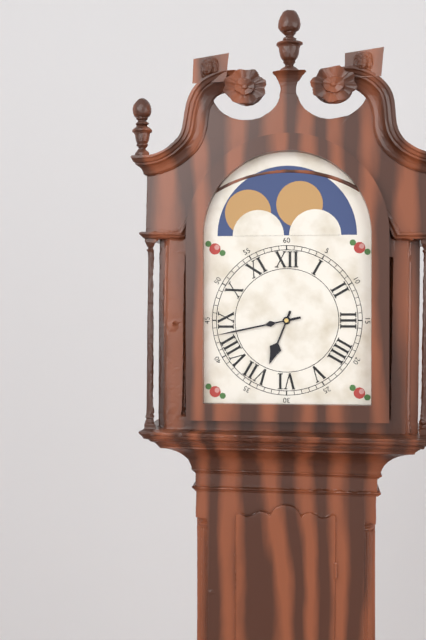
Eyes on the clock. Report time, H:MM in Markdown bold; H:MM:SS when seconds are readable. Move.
**6:43**
